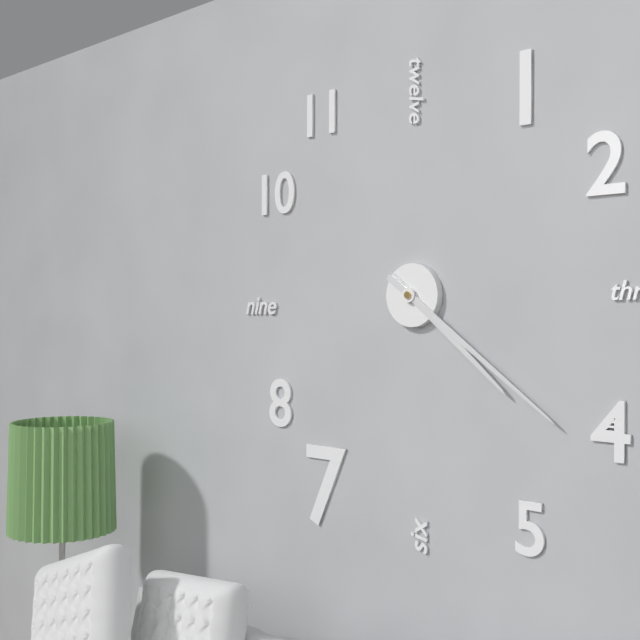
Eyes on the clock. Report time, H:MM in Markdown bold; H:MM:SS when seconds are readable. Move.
**4:21**
